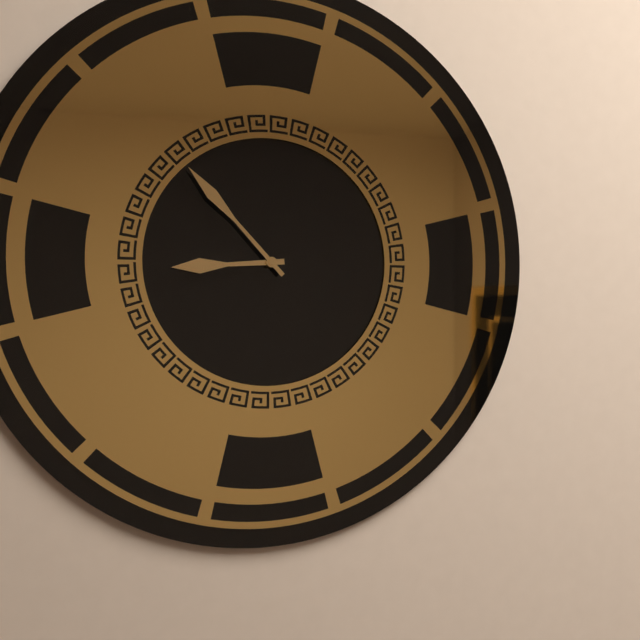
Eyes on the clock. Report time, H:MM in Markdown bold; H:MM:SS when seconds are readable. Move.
**8:53**
